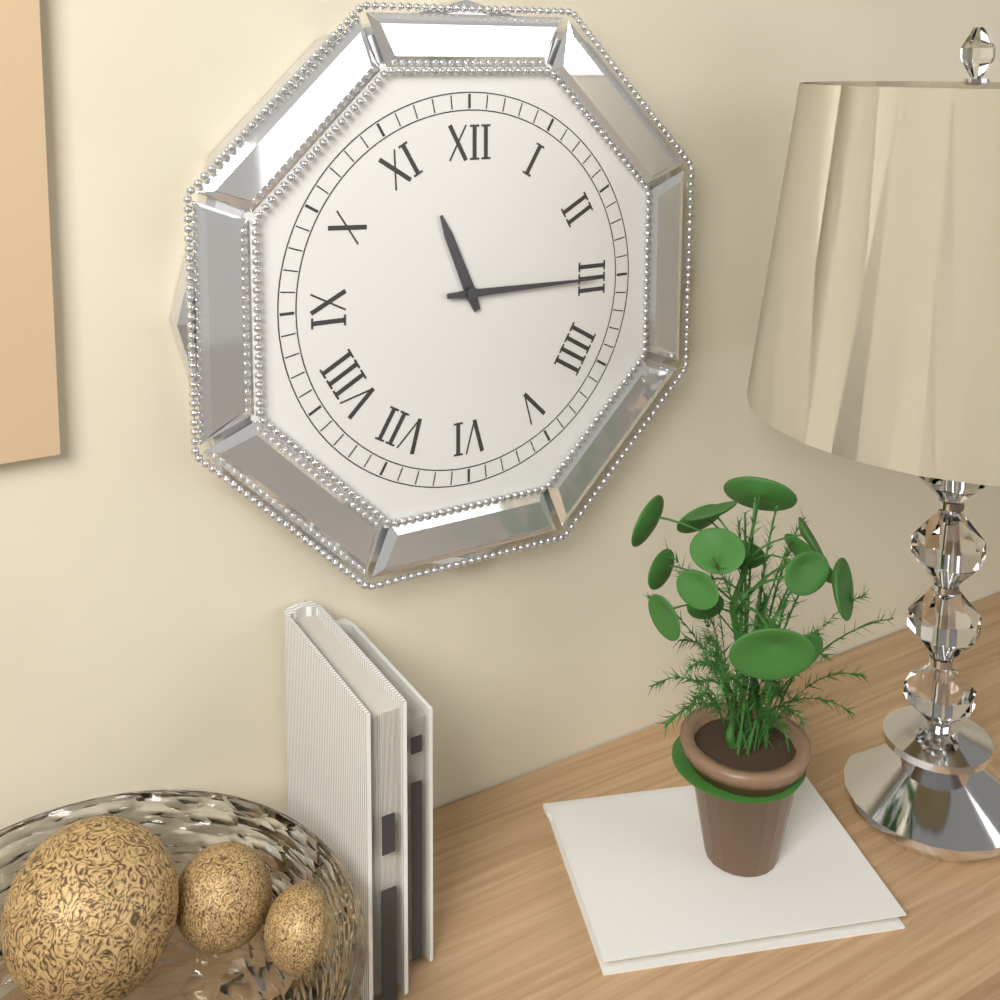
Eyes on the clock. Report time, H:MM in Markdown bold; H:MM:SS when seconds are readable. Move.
**11:15**
